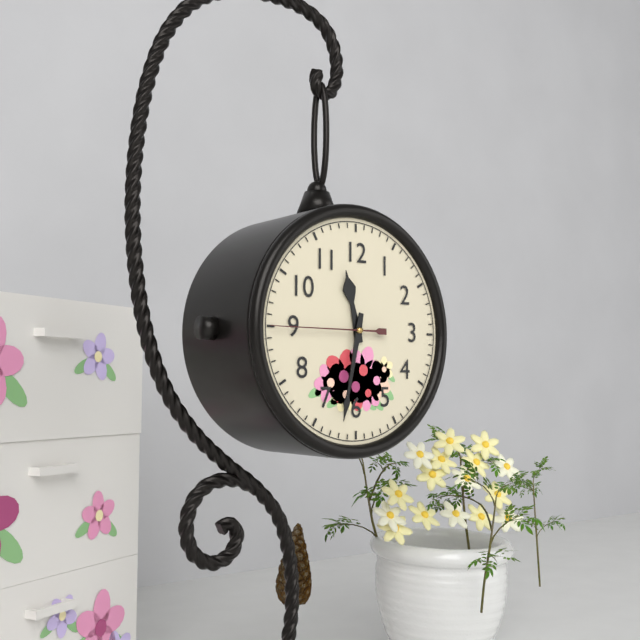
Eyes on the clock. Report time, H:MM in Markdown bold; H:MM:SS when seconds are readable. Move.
**11:32:45**
